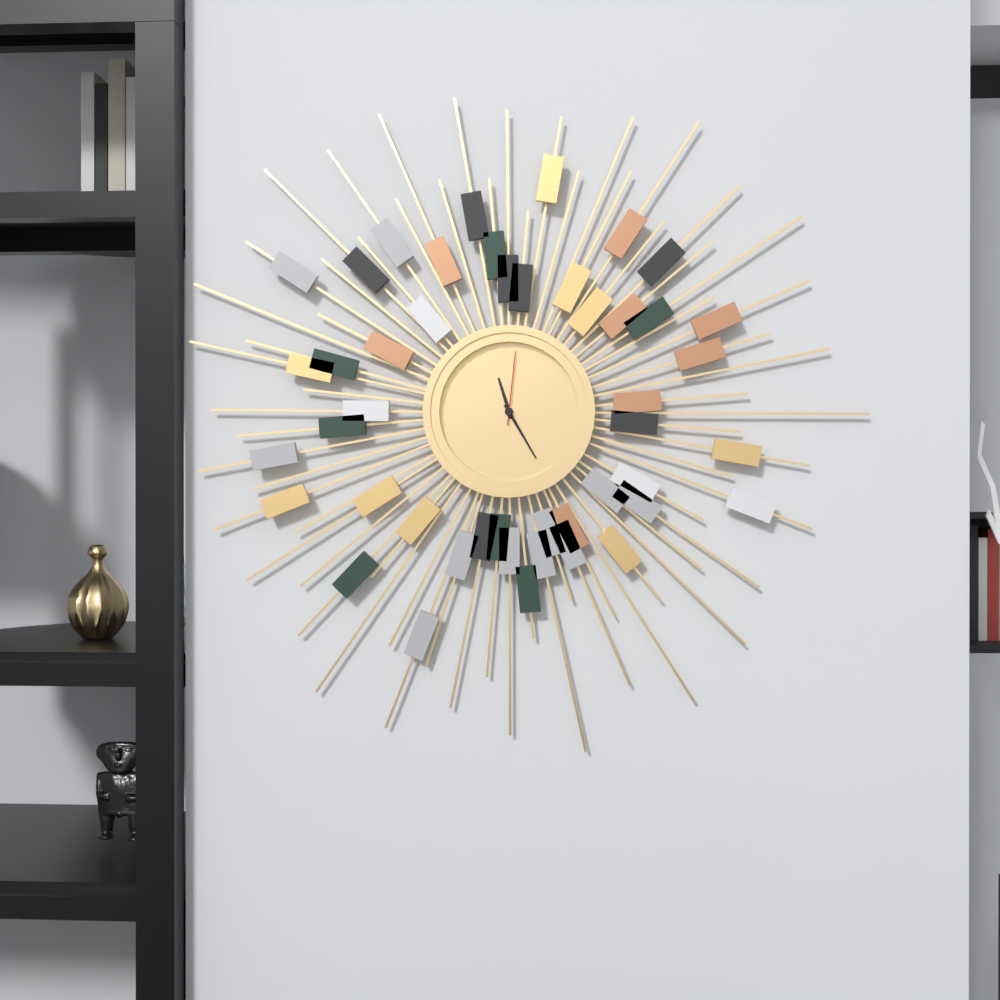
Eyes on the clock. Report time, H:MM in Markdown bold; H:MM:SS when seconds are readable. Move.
**11:25:01**
